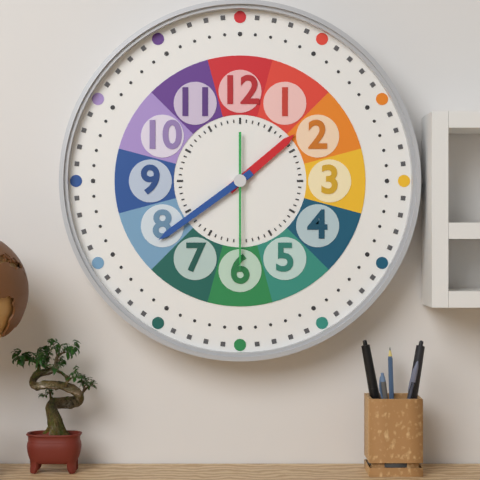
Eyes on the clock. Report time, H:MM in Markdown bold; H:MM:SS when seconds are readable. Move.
**1:39:30**
